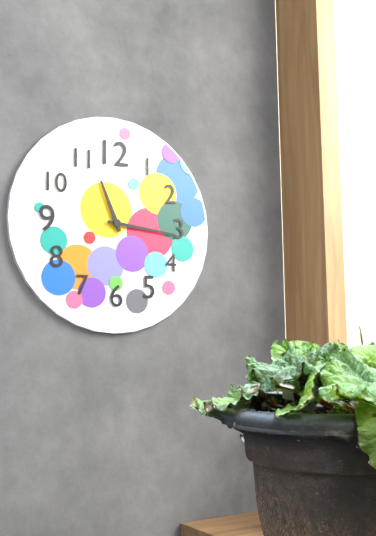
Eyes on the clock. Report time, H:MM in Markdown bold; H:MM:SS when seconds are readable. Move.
**11:16**
